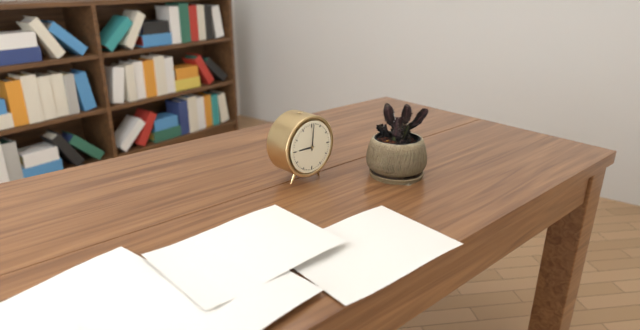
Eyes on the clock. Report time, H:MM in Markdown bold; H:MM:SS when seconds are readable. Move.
**9:01**
